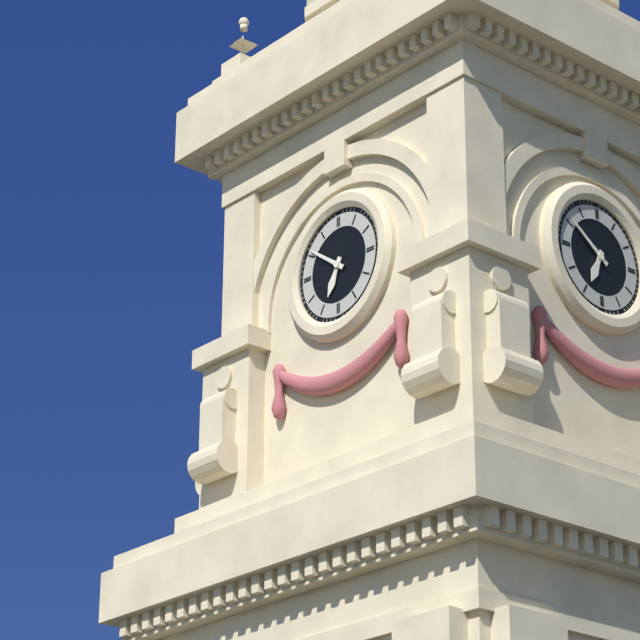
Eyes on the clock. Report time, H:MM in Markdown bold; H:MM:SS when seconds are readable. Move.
**6:51**
